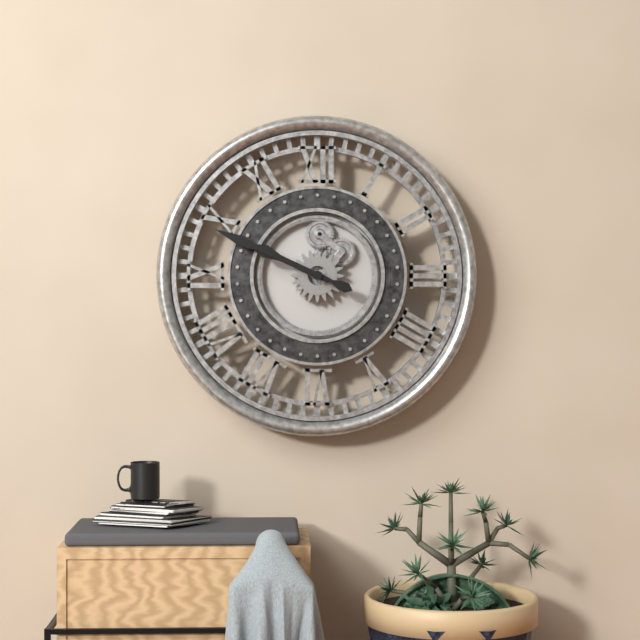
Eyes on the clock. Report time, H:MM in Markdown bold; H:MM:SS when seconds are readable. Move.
**9:49**
